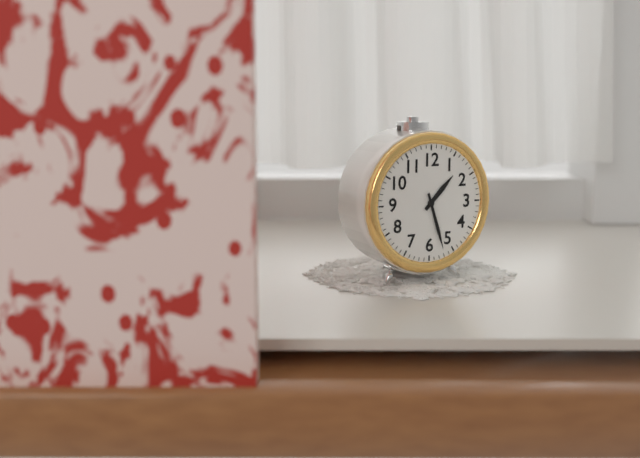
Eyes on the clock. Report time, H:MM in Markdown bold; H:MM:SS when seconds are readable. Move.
**1:27**
